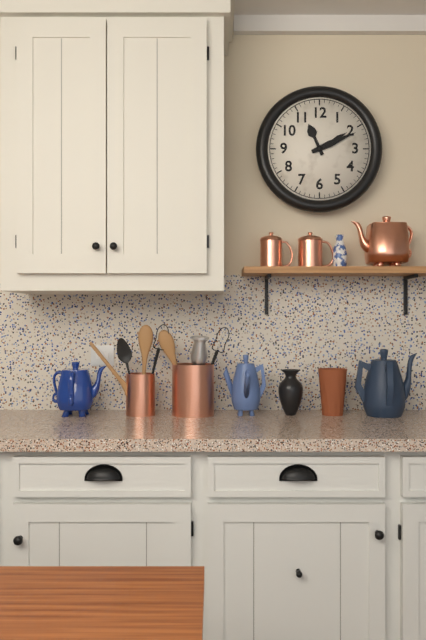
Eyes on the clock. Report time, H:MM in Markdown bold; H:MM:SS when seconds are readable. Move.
**11:11**
